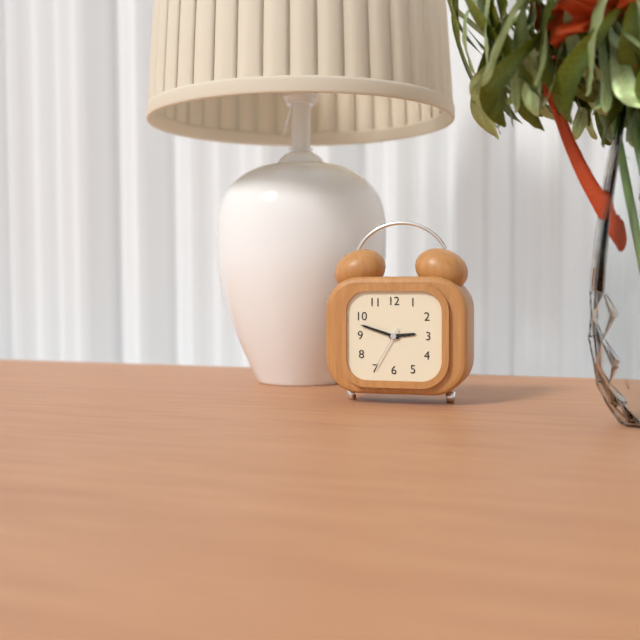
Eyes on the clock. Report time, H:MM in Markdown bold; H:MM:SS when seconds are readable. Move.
**2:48**
